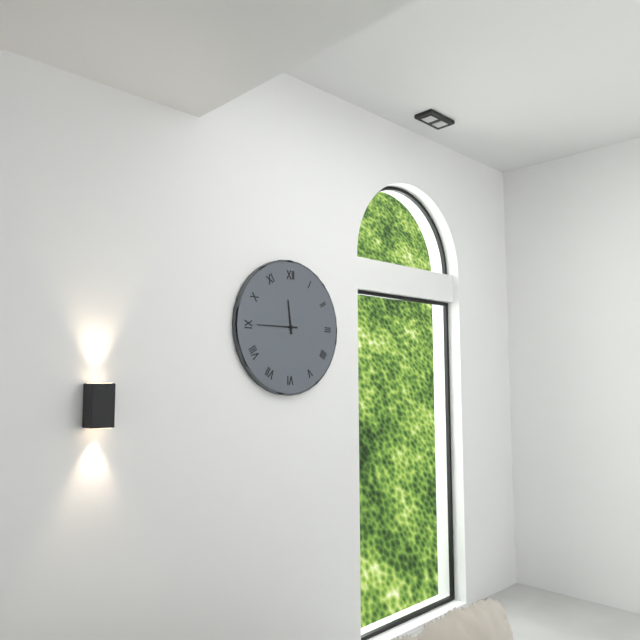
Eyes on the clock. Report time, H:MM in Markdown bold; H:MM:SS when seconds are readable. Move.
**11:45**
